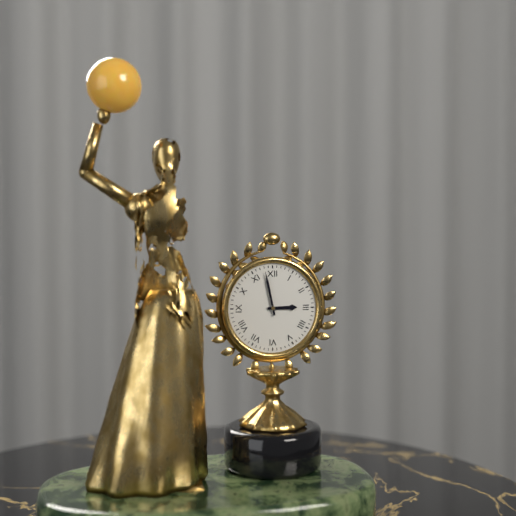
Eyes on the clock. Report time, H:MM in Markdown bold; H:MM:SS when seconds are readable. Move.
**2:58**
